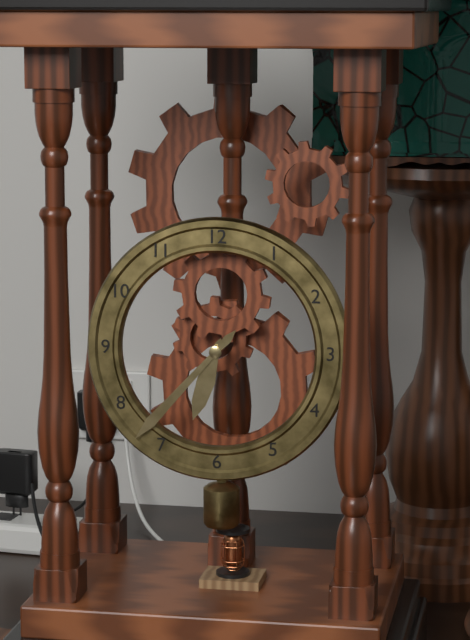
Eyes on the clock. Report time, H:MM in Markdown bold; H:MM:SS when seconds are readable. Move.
**6:37**
